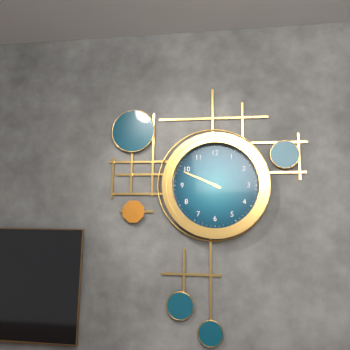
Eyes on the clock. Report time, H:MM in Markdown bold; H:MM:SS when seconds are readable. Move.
**9:49**
